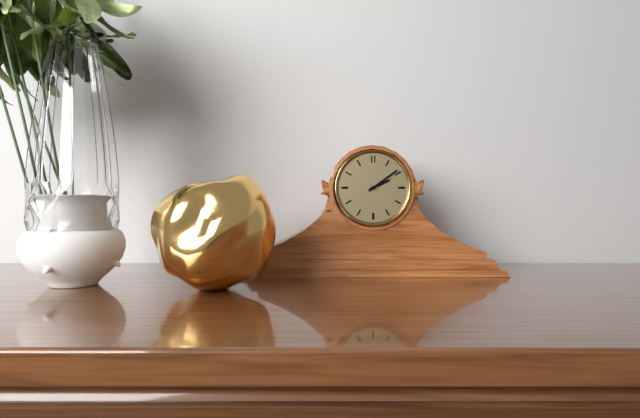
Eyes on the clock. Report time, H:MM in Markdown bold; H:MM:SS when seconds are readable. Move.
**2:09**
